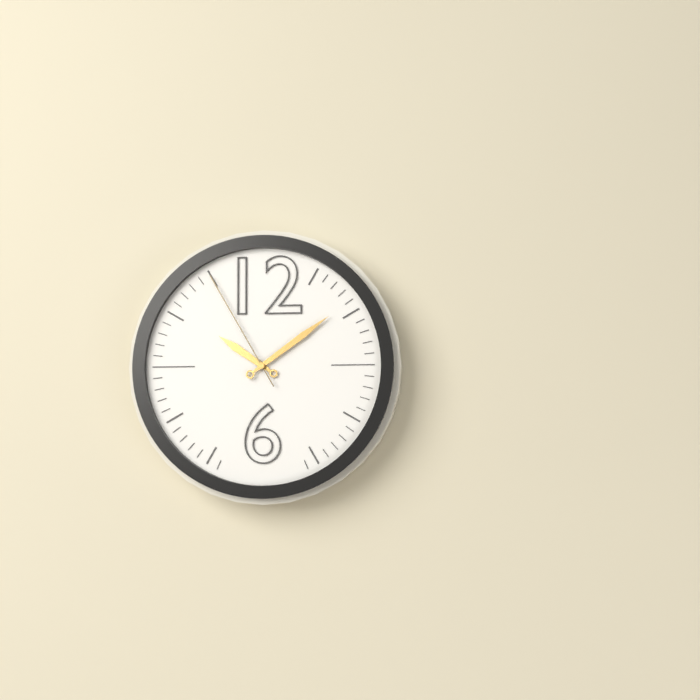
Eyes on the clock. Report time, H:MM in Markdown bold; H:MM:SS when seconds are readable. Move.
**10:09:55**
